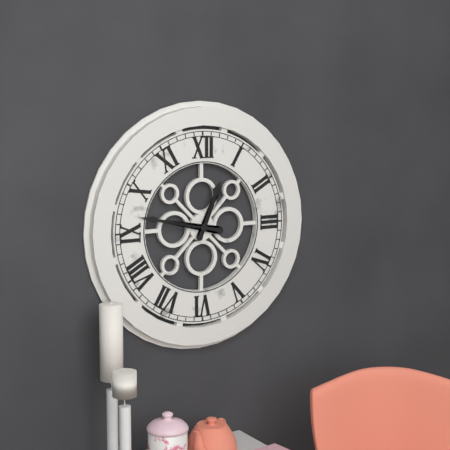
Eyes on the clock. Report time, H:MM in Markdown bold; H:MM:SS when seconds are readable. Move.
**12:47**
